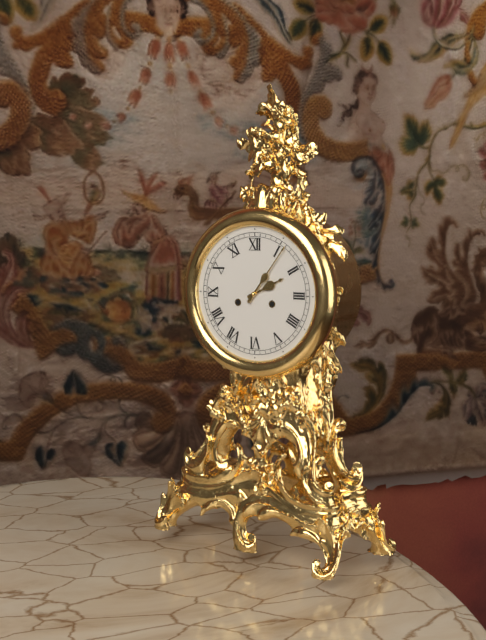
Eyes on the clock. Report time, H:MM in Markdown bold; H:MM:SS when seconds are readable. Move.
**2:06**
